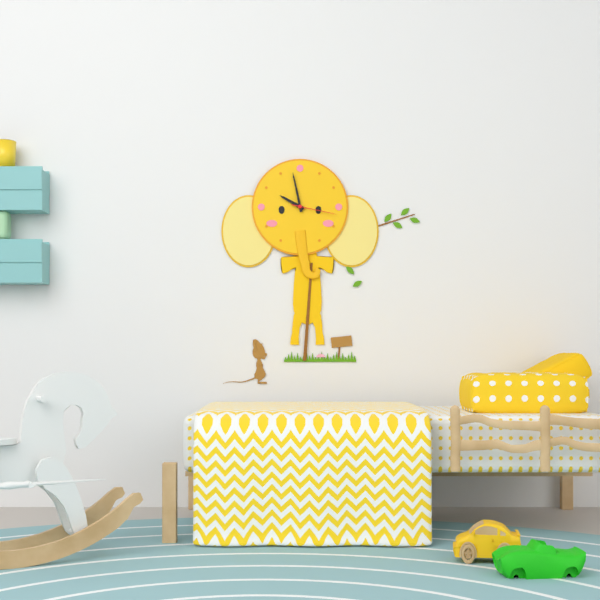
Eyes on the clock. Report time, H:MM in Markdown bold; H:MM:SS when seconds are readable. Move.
**9:58**
